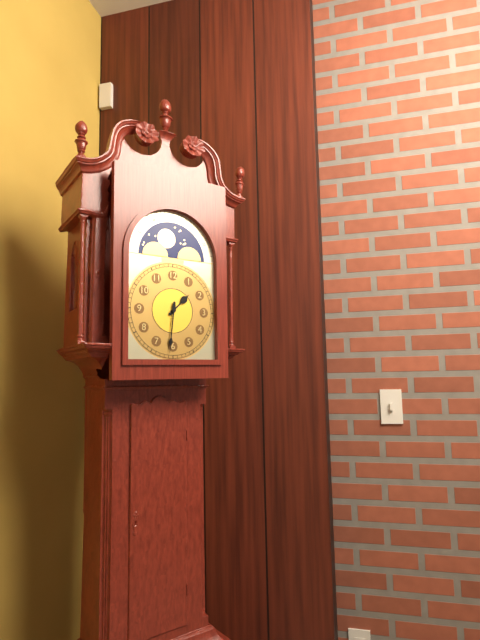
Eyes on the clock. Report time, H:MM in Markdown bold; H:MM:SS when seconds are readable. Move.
**1:31**
